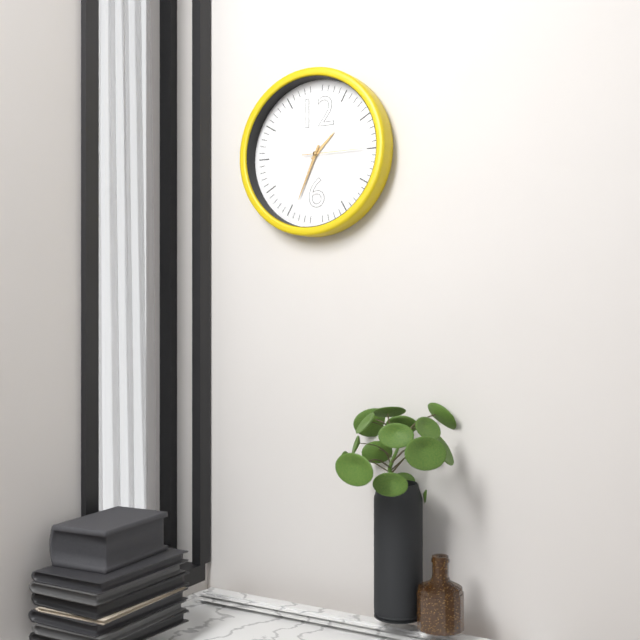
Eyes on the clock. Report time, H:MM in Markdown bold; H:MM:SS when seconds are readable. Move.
**1:34:15**
